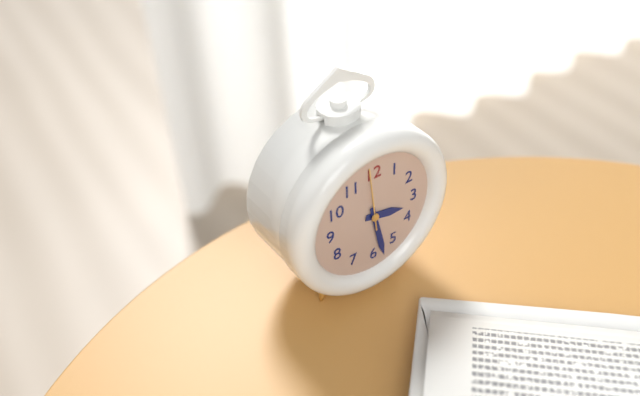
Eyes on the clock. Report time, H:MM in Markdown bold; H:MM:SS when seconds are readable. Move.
**3:28:59**
